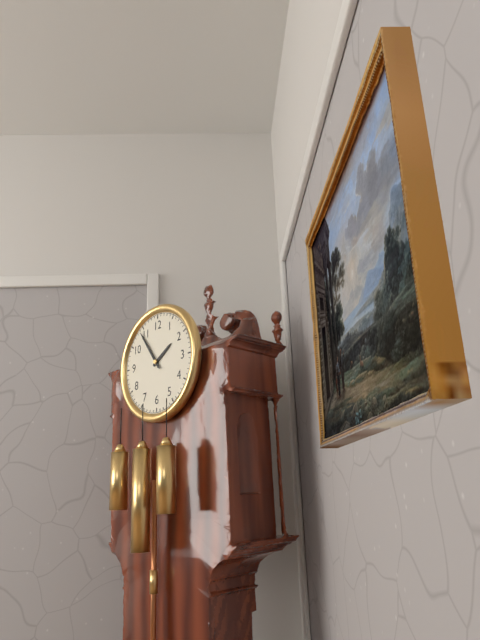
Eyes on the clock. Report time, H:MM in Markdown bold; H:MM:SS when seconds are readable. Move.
**1:54**
